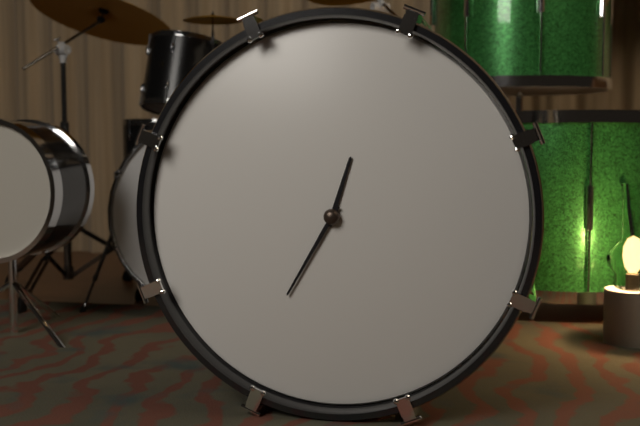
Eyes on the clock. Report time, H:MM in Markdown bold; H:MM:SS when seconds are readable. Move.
**12:35**
